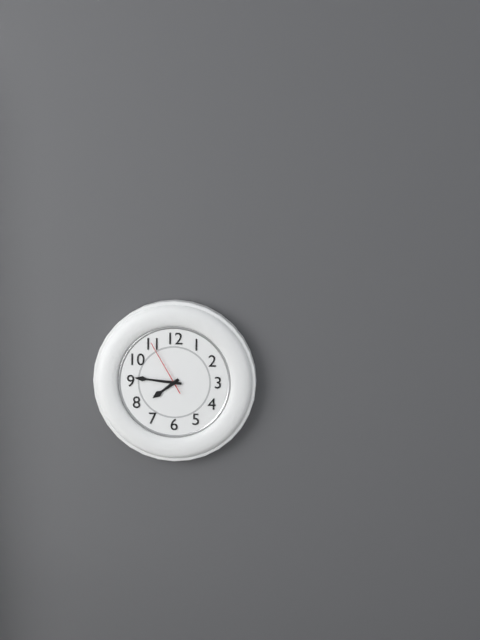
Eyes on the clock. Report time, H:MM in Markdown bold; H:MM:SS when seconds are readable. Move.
**7:46:55**
